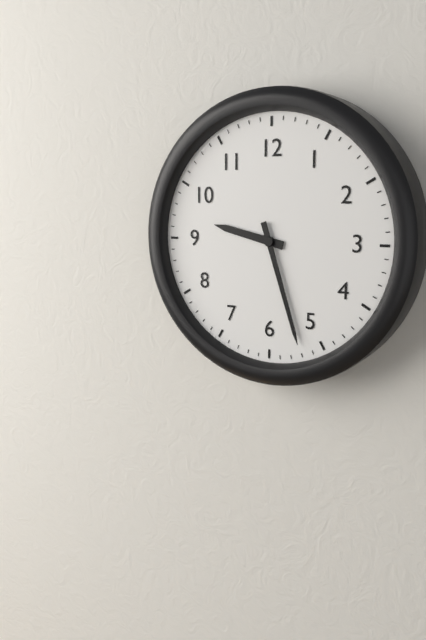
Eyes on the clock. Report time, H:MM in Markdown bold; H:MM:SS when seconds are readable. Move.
**9:27**
